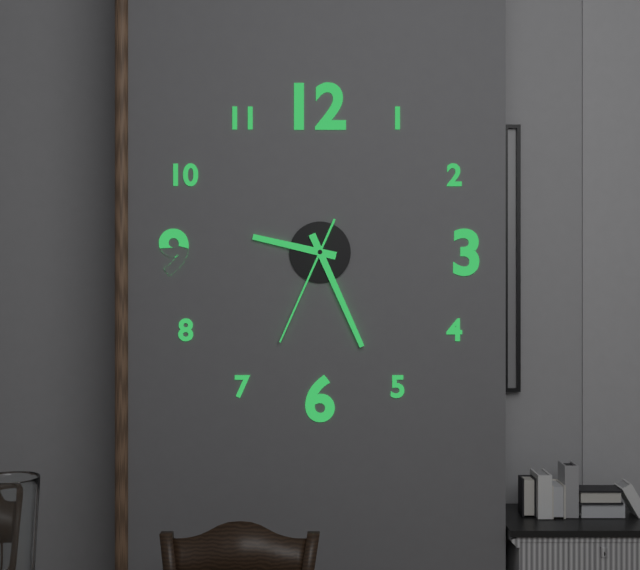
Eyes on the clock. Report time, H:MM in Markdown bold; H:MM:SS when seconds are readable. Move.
**9:26:34**
